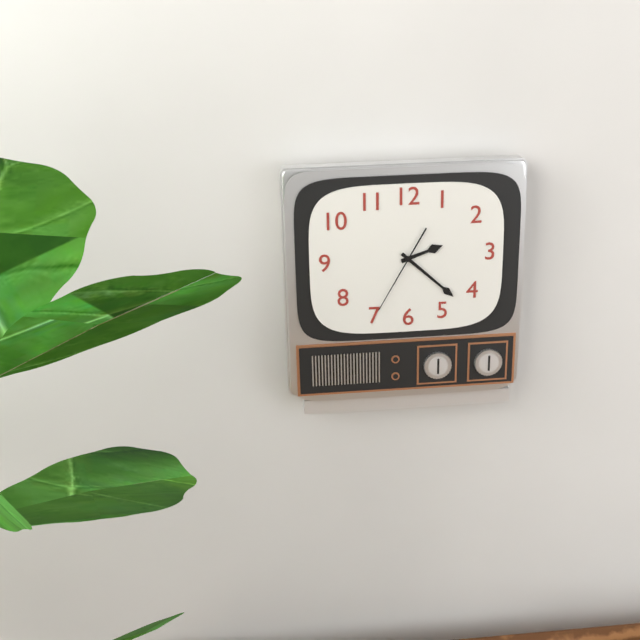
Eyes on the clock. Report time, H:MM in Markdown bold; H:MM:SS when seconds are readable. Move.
**2:22:35**
